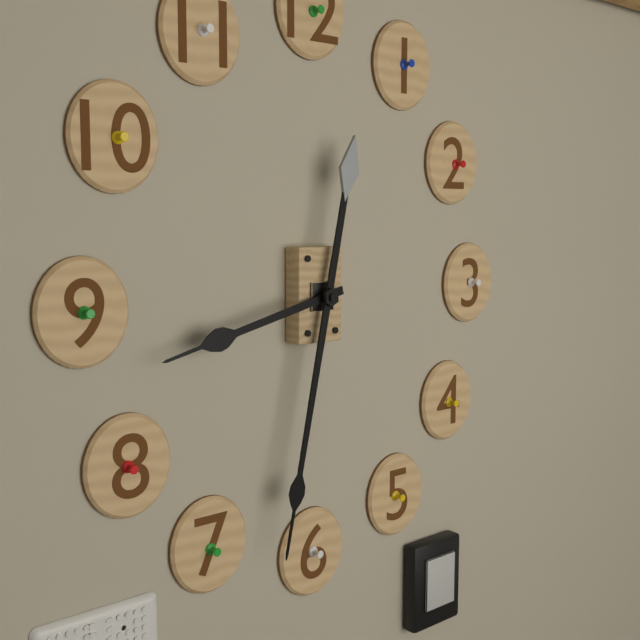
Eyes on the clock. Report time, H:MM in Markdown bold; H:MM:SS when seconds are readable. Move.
**8:32**
